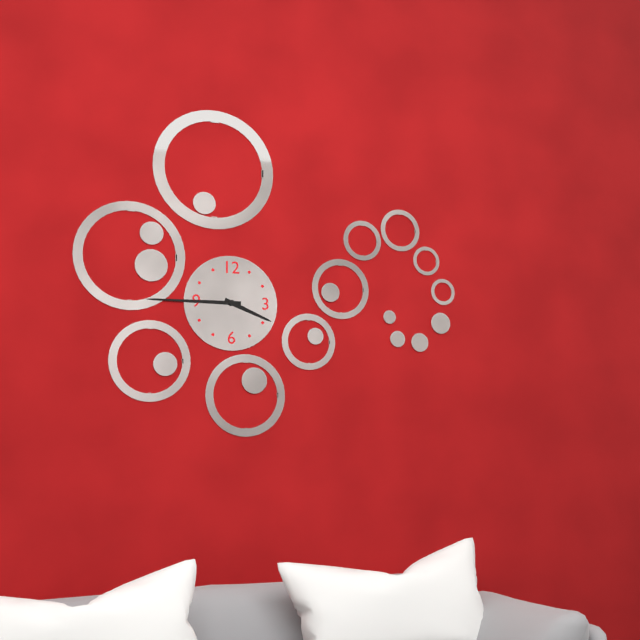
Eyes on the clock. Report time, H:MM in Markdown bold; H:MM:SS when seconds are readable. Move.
**3:45**
